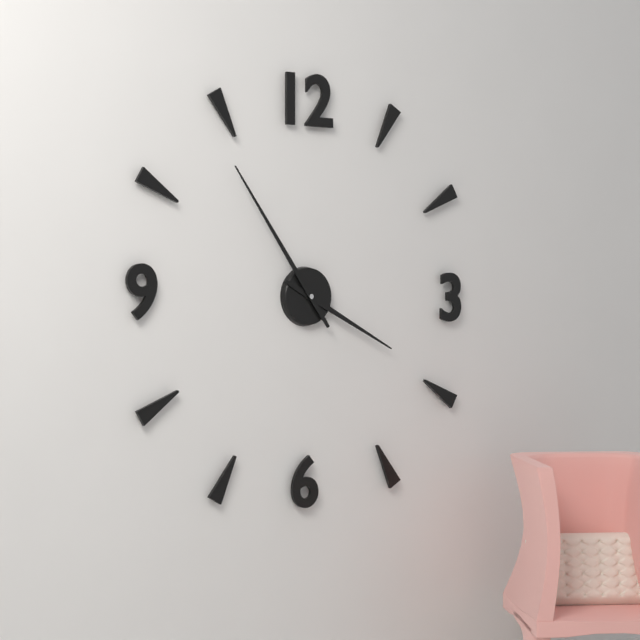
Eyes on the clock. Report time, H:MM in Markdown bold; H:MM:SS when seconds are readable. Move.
**3:54**
